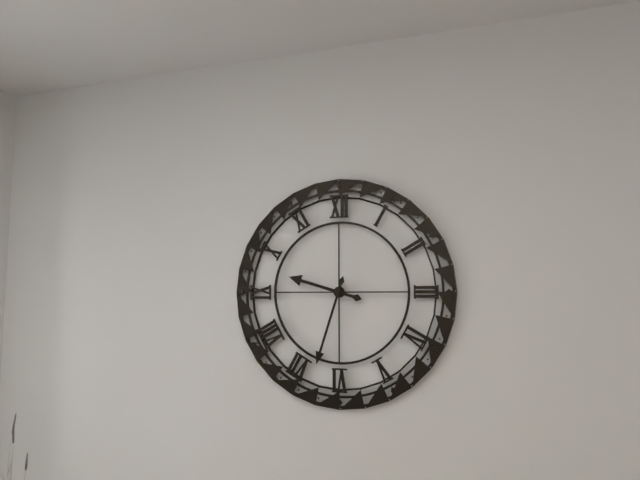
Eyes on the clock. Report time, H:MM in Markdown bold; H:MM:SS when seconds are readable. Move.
**9:33**
